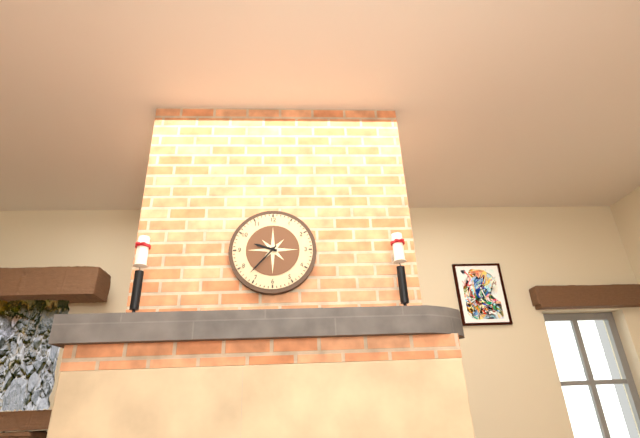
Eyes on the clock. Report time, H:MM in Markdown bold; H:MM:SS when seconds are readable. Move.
**9:37**
